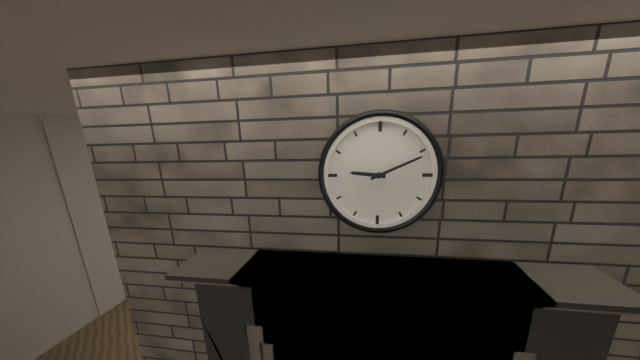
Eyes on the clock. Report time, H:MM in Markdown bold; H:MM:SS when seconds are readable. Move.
**9:11**
